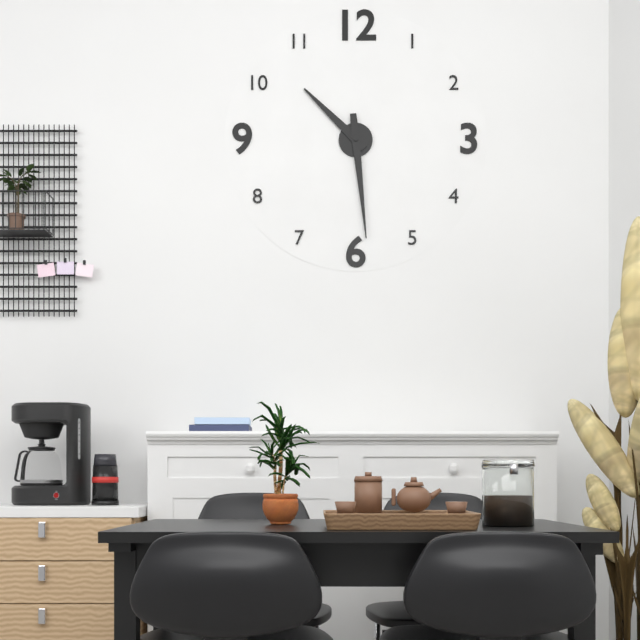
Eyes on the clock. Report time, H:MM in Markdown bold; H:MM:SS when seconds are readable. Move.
**10:29**
